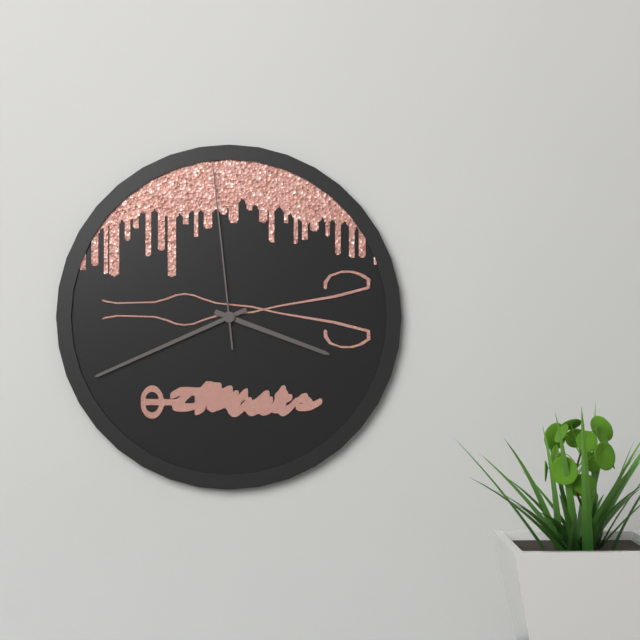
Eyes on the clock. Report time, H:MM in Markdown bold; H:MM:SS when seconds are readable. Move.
**3:41:59**
